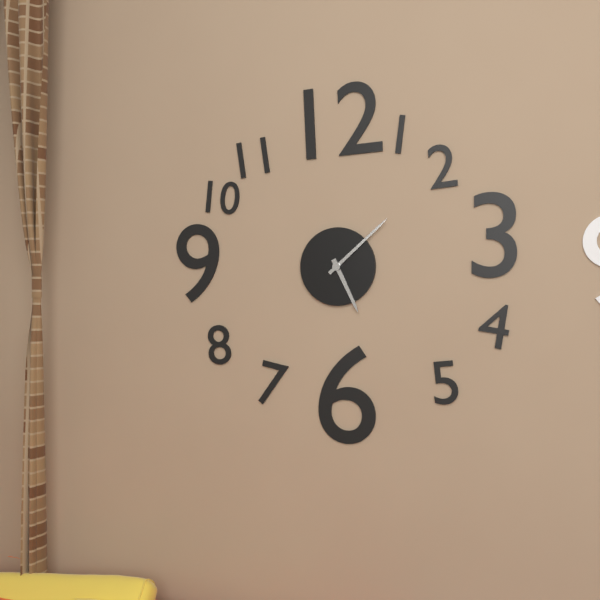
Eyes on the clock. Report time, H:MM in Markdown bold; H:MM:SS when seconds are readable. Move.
**5:08**
